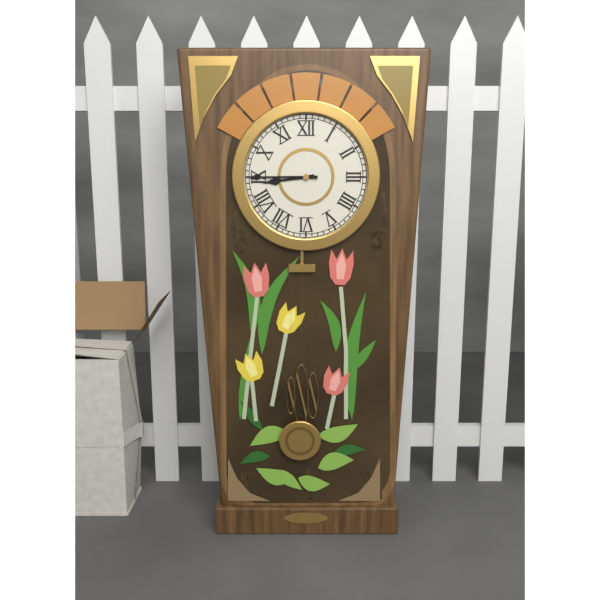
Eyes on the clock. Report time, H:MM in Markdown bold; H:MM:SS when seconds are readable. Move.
**8:45**
